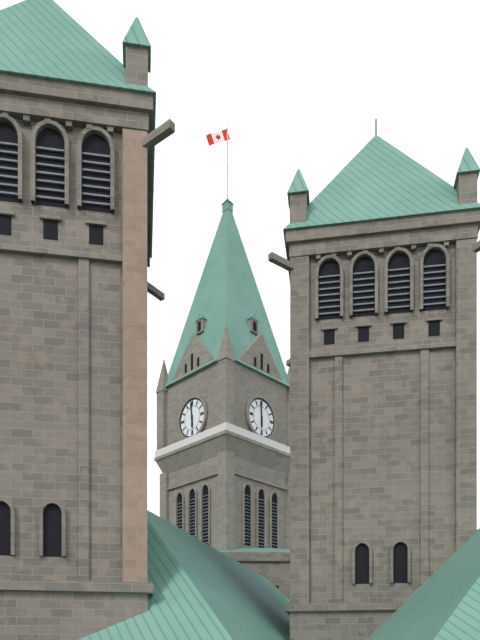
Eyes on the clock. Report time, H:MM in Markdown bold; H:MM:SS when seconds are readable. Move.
**5:59**
